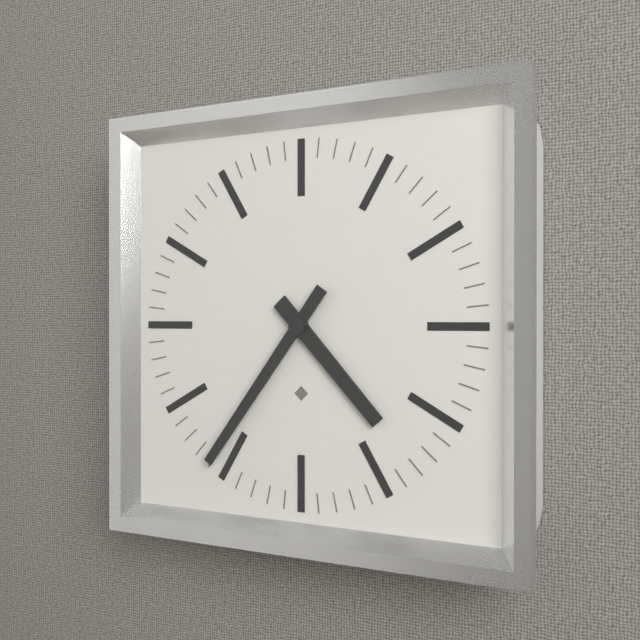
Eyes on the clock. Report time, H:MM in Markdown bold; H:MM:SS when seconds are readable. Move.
**4:36**
